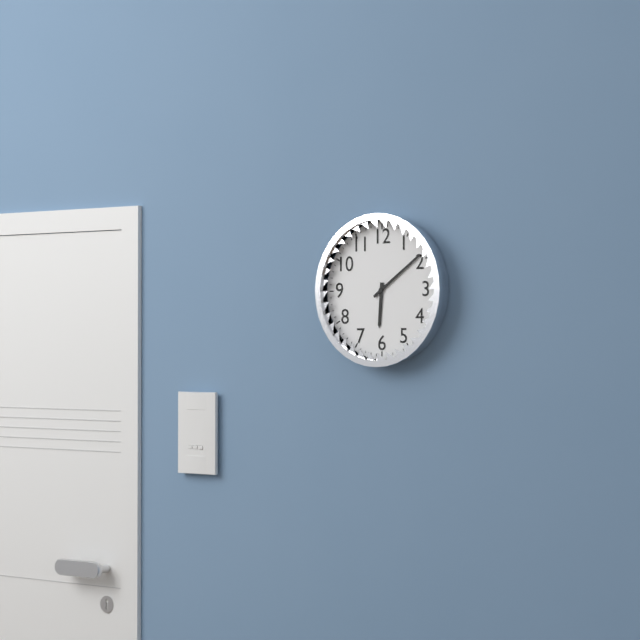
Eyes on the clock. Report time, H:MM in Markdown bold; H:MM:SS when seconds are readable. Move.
**6:09**
